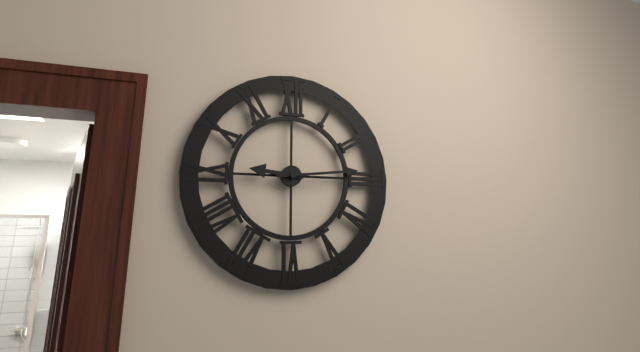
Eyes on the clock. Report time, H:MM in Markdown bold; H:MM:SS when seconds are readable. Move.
**9:14**
